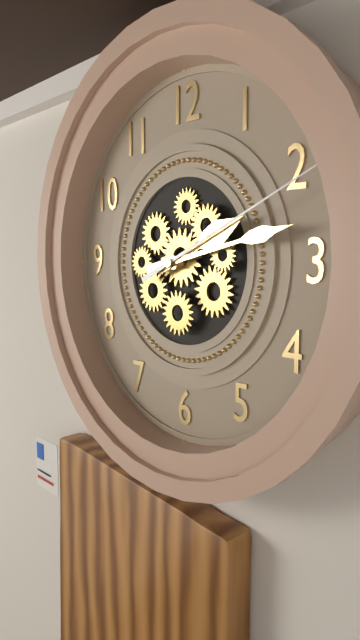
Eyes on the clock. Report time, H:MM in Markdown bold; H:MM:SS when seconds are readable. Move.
**2:13:11**
